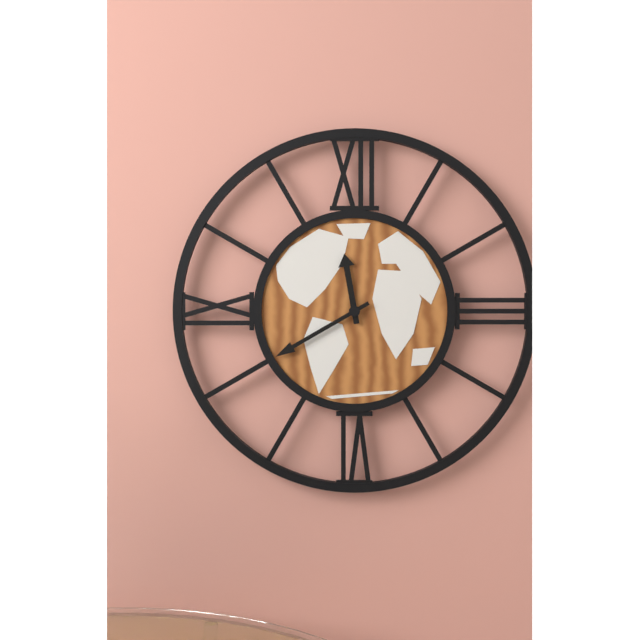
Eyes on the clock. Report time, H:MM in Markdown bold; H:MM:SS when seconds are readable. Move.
**11:40**
